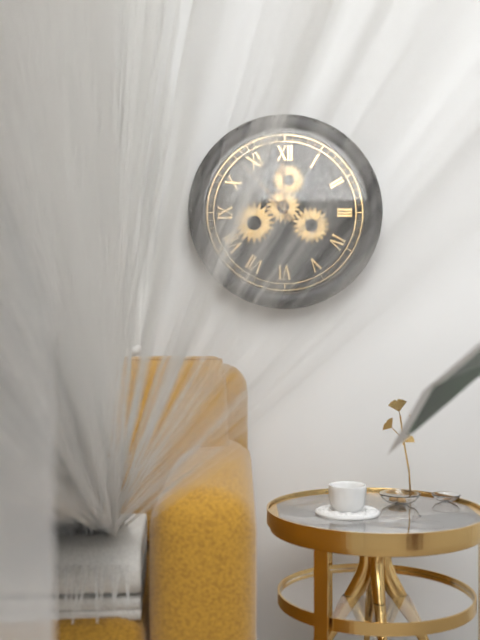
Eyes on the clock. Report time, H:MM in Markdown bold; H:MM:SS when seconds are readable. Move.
**11:53**
